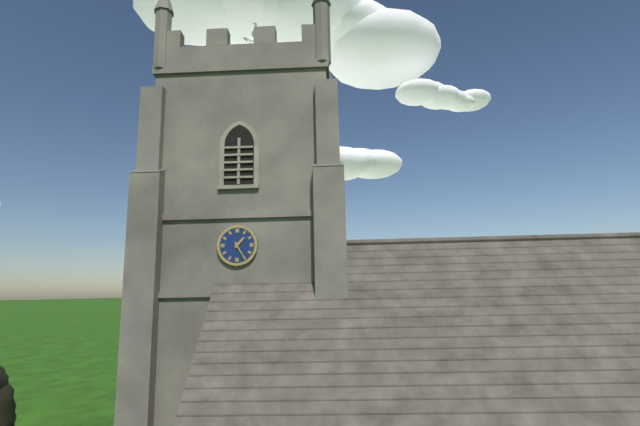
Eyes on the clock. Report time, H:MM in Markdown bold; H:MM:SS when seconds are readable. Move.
**1:25**
